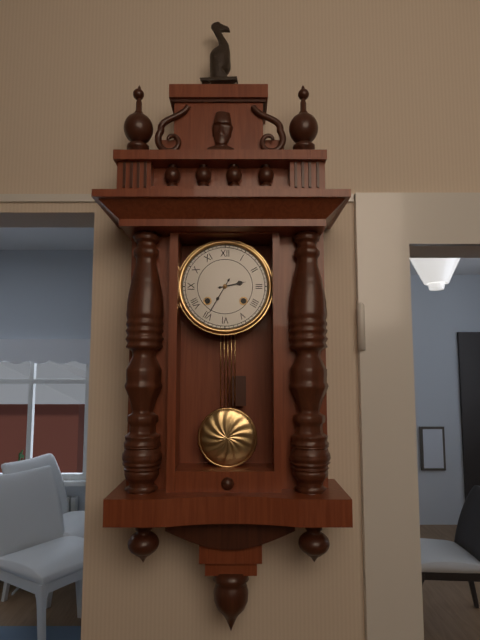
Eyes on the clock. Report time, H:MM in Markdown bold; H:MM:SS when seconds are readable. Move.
**2:35**
